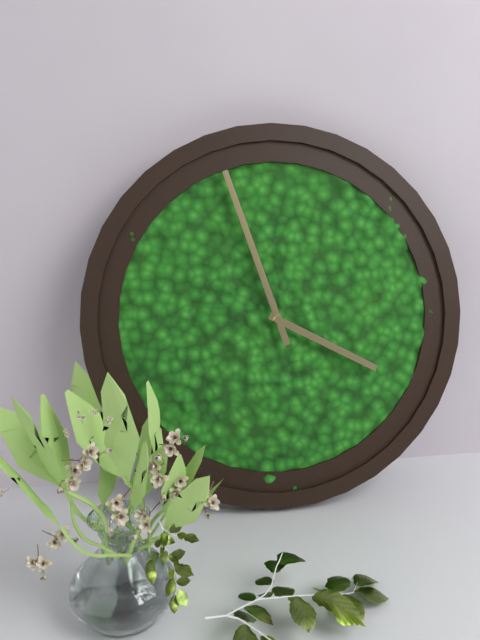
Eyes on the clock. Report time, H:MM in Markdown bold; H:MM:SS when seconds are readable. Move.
**3:57**
